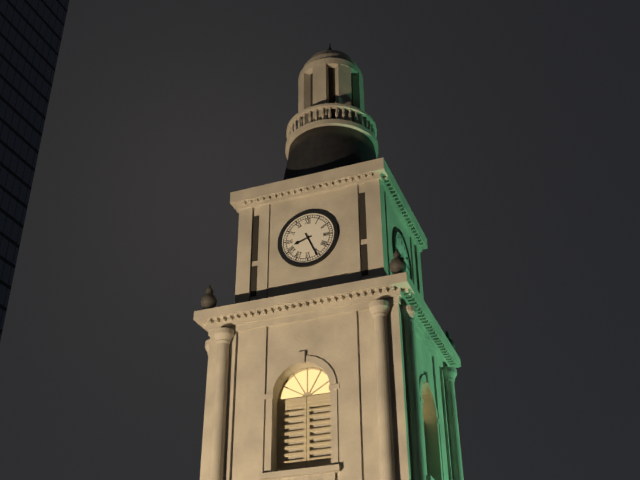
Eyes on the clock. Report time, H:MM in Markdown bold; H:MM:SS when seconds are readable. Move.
**8:26**
